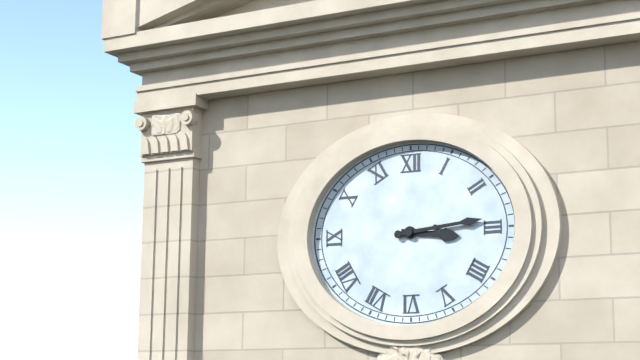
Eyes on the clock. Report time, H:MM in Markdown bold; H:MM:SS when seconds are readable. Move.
**3:14**
